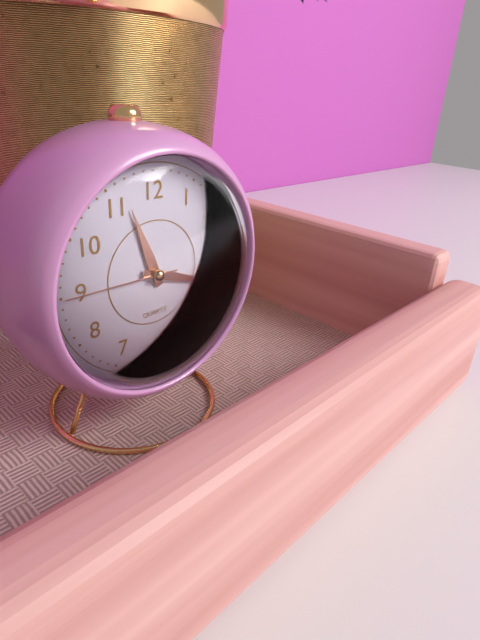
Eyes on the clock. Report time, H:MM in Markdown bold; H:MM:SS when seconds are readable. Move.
**11:18:45**
